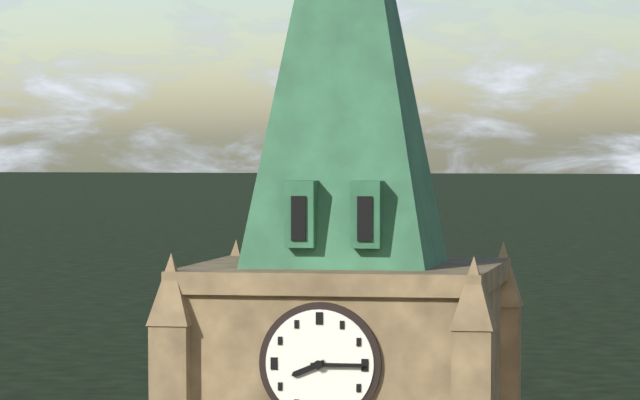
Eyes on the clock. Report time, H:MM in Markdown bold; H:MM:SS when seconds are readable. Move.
**8:15**
